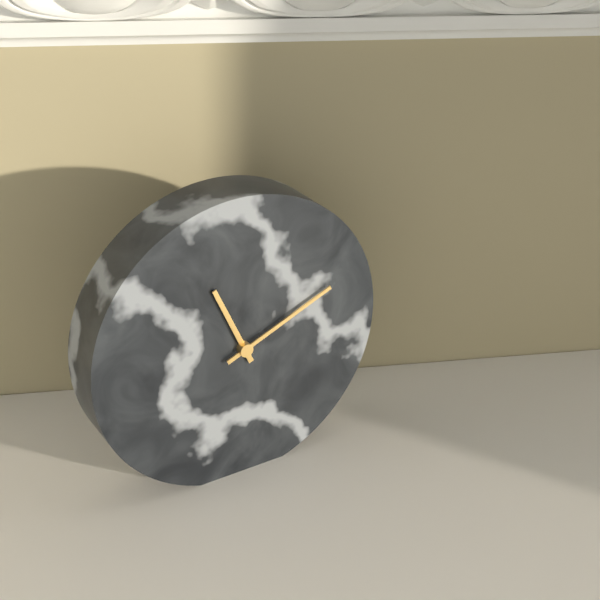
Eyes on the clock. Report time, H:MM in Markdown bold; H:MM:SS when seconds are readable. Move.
**11:11**
